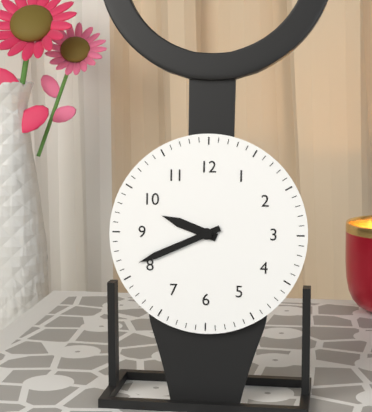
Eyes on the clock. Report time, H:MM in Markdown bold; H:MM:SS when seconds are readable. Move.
**9:41**
